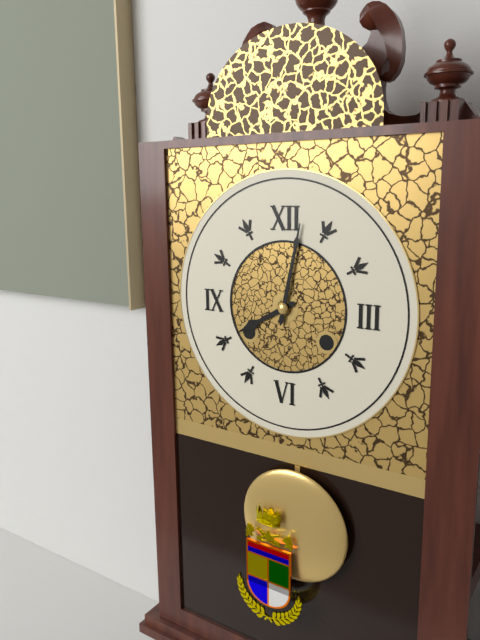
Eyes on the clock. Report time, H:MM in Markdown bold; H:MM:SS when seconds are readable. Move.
**8:02**
